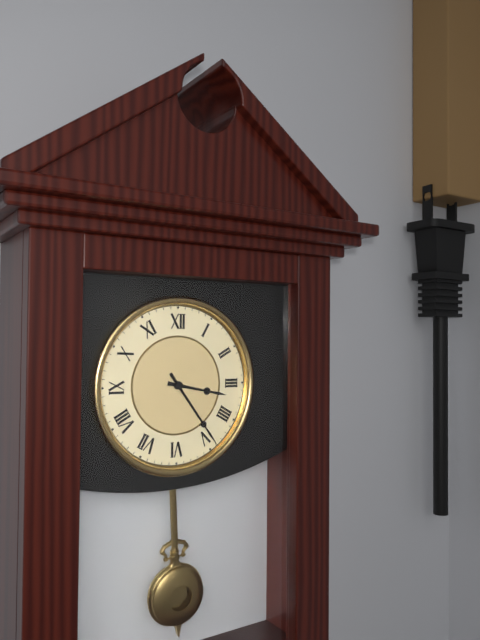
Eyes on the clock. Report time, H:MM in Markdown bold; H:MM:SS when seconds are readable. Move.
**3:24**
